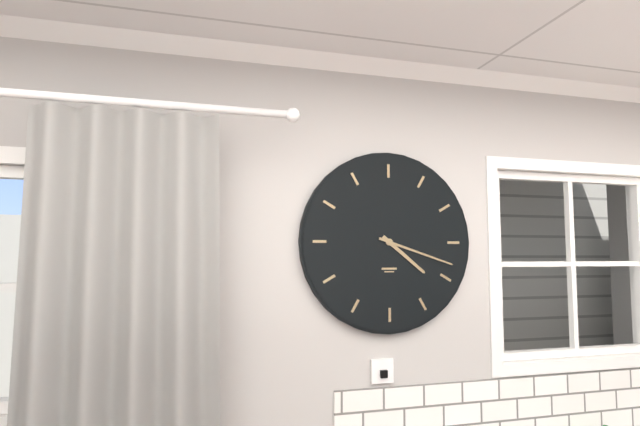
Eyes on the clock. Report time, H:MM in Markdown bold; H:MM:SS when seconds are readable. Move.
**4:18**
